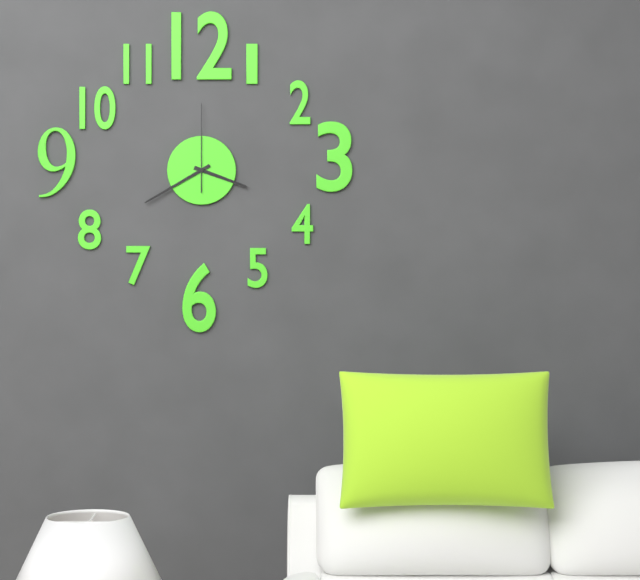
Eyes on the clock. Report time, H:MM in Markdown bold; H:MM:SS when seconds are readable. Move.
**3:40:00**
